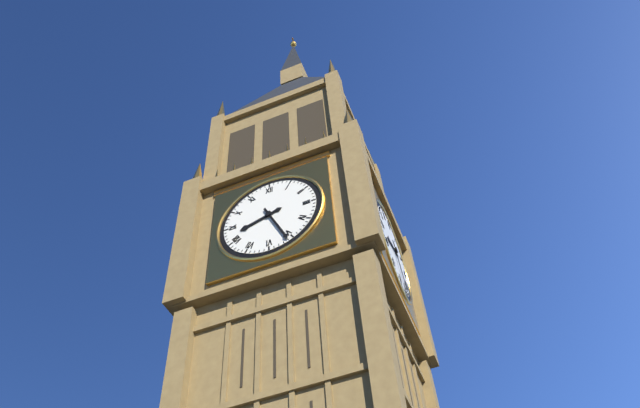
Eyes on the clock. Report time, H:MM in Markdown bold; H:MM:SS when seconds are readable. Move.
**8:26**
